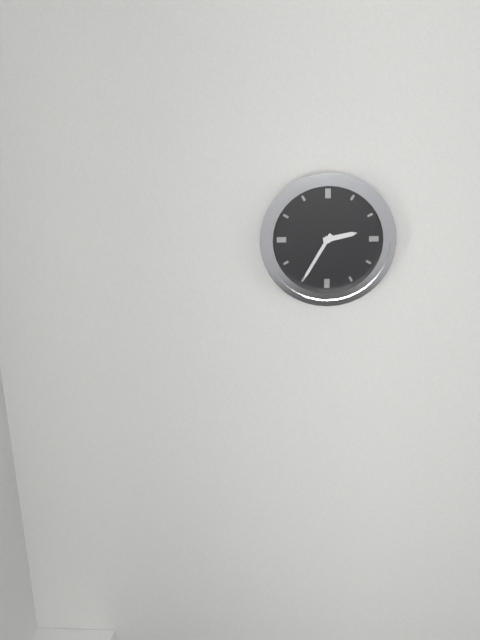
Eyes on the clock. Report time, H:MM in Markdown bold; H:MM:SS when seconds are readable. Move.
**2:35**
